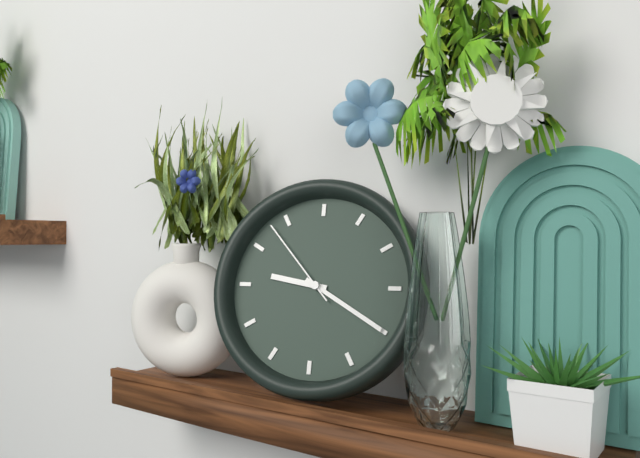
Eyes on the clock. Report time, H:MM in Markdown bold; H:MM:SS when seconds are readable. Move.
**9:20:53**
